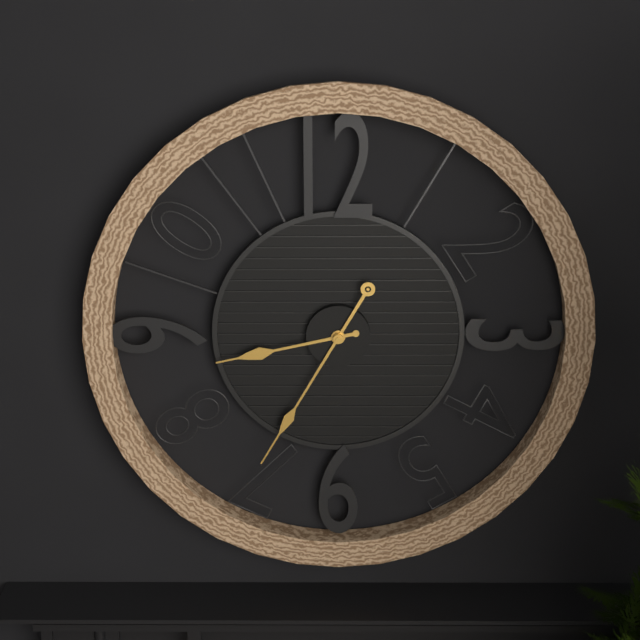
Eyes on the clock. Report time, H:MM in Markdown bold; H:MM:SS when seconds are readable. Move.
**8:35**
